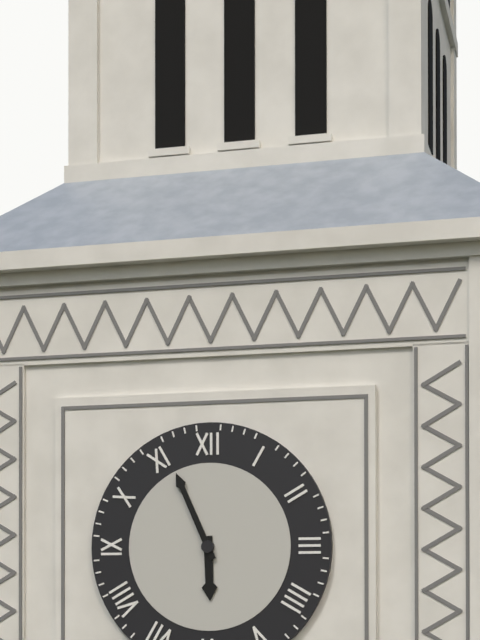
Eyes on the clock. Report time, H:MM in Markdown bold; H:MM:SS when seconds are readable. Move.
**5:56**
